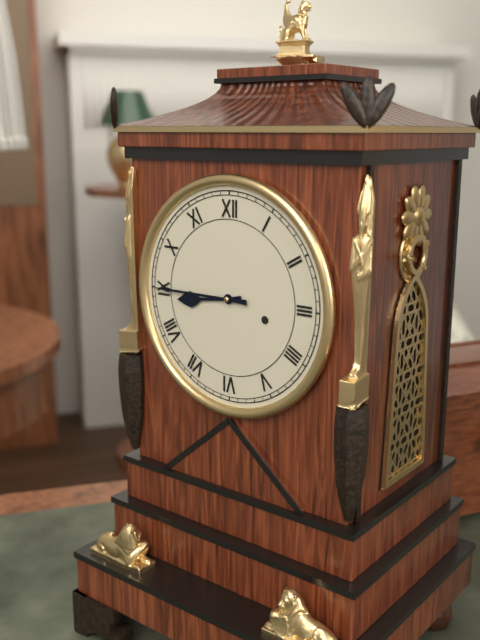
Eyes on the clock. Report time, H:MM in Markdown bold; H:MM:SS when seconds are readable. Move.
**8:45**
